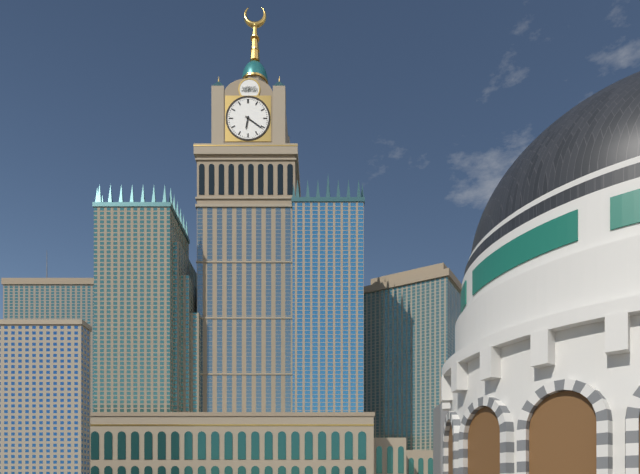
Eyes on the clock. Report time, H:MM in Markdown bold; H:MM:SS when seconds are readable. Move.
**6:21**
